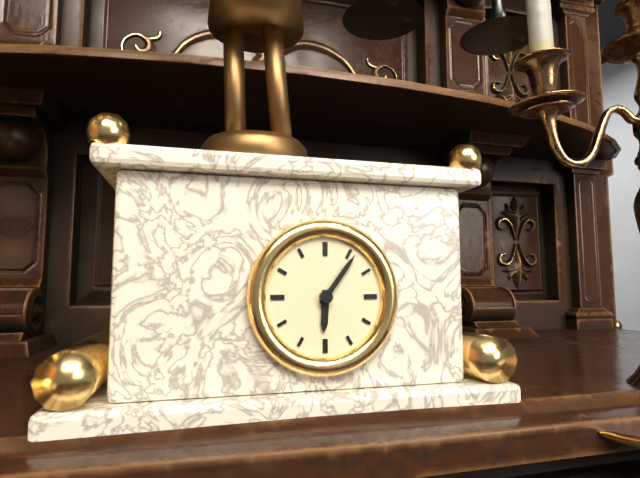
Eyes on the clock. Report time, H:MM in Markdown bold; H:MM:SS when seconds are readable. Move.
**6:06**
